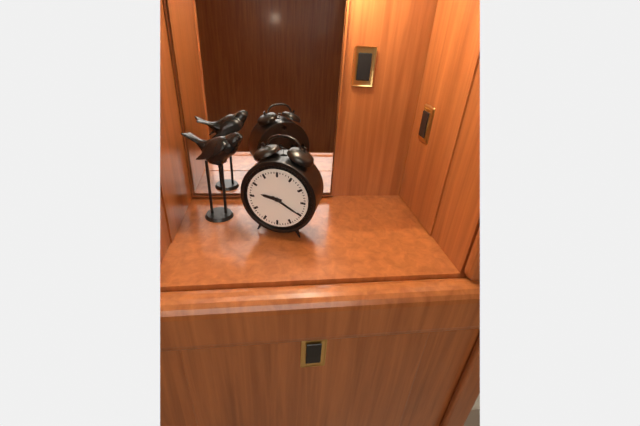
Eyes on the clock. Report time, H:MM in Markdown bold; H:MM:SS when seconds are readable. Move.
**9:20**
